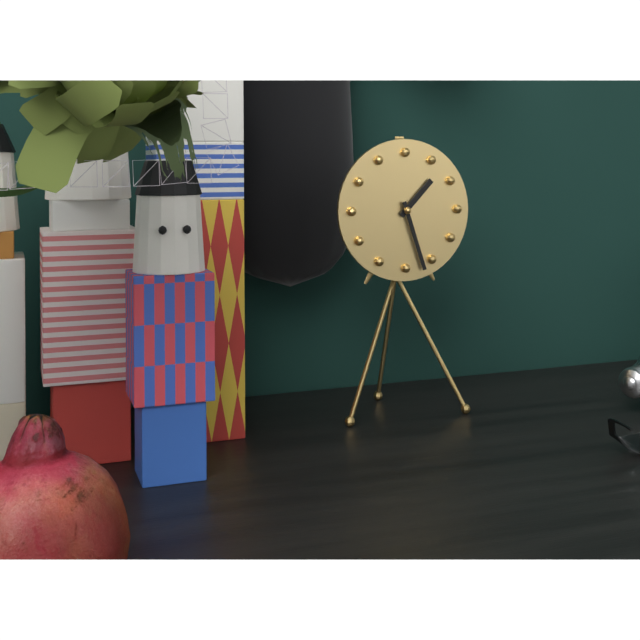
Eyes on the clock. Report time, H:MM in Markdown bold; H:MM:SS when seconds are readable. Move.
**1:27**
